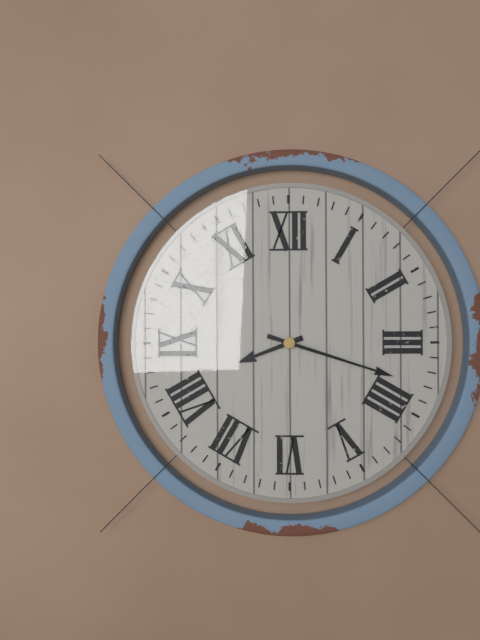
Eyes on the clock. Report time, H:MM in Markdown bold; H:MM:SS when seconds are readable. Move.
**8:18**
